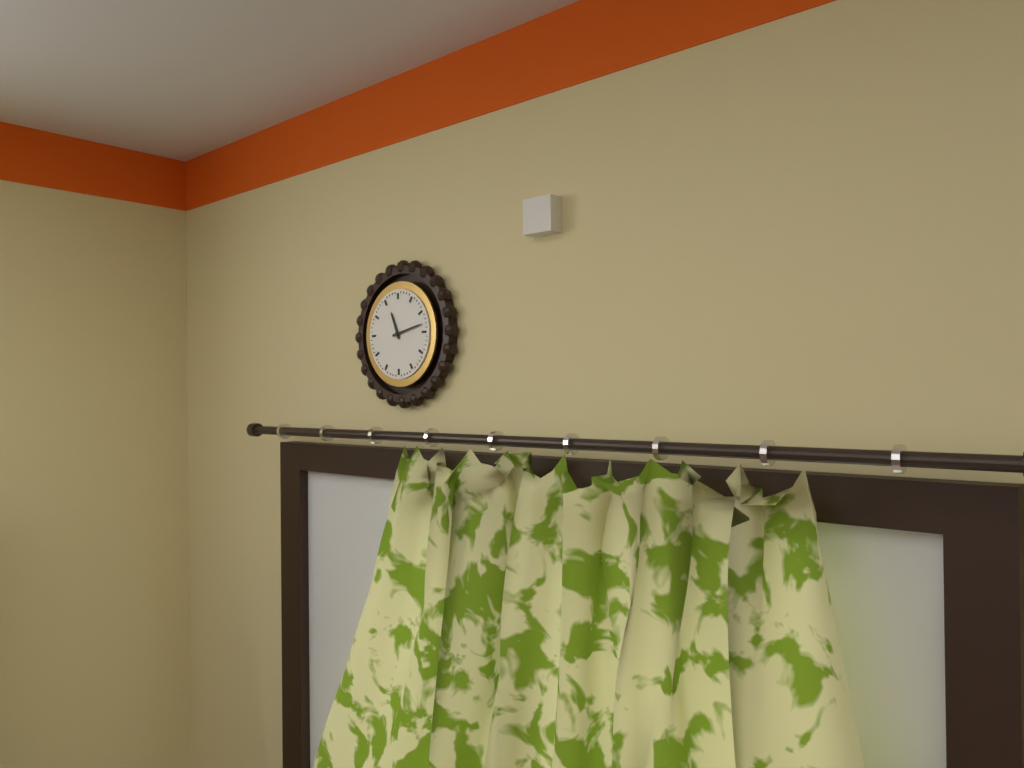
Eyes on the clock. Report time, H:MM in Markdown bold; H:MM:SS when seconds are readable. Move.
**11:13**
